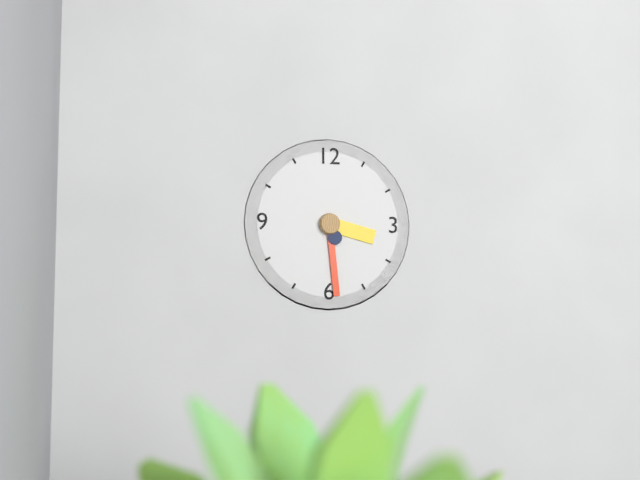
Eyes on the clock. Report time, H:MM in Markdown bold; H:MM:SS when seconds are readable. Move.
**3:29**
